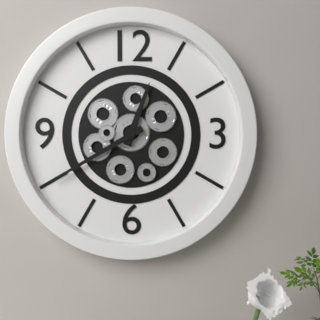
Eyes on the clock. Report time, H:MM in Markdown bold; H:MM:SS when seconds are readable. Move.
**12:40**
